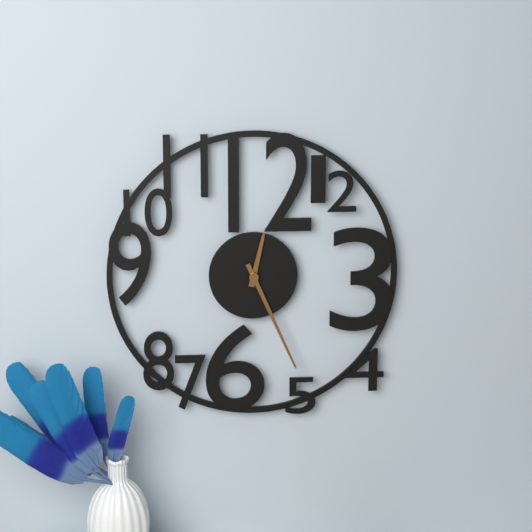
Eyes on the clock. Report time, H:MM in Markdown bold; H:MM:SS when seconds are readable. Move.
**12:26**
